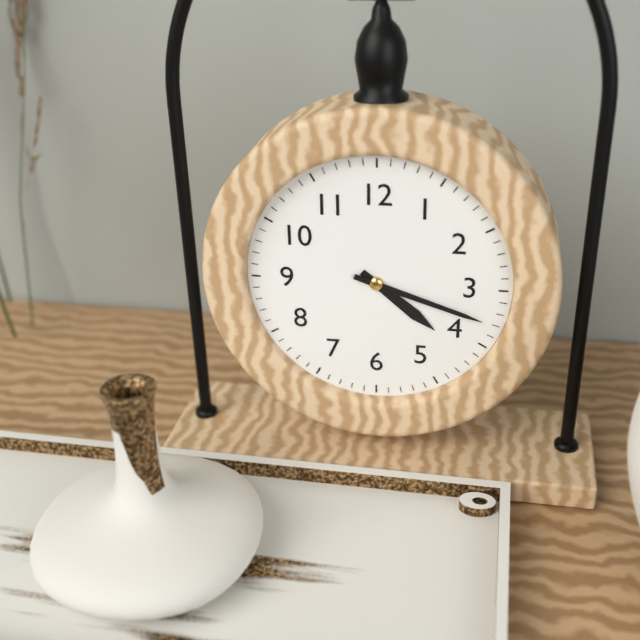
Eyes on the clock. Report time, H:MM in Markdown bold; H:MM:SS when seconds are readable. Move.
**4:18**
